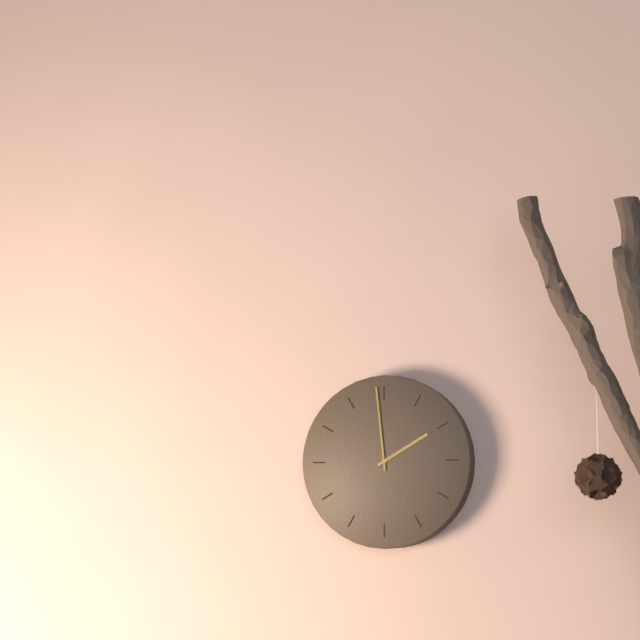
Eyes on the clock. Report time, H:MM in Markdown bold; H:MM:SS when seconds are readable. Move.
**1:59**
